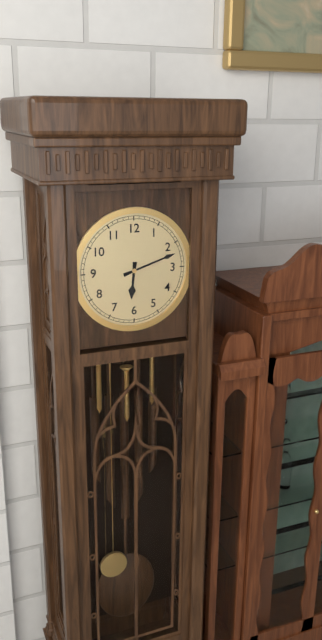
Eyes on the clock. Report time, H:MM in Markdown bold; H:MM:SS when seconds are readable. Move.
**6:12**
